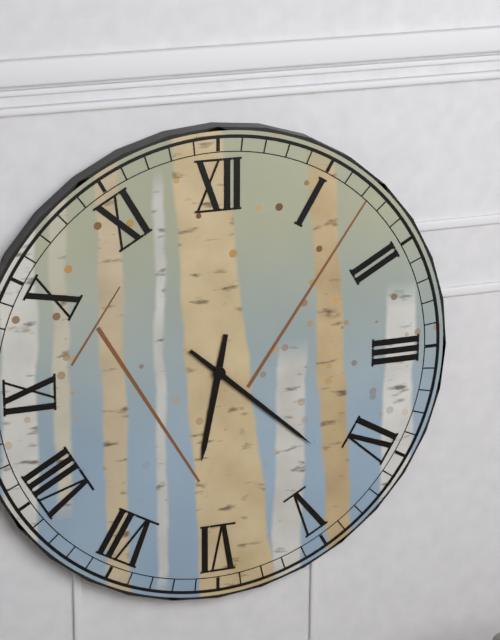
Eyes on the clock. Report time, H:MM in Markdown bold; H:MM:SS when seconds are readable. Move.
**6:22**
